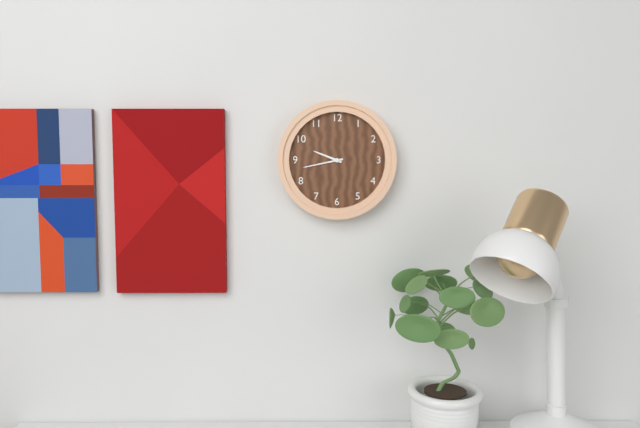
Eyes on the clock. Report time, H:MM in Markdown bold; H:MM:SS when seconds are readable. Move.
**9:43**
